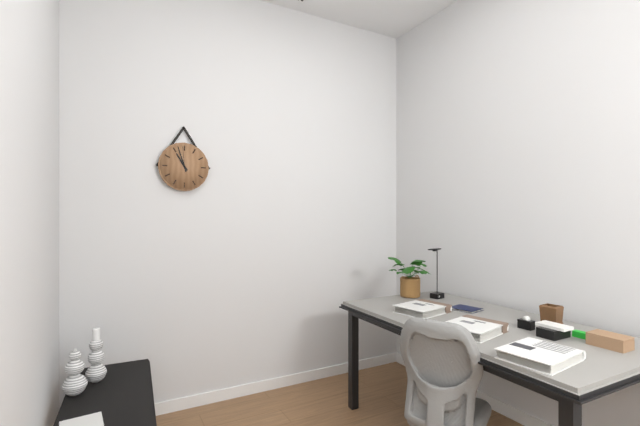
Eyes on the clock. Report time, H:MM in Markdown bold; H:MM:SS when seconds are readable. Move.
**10:57**
